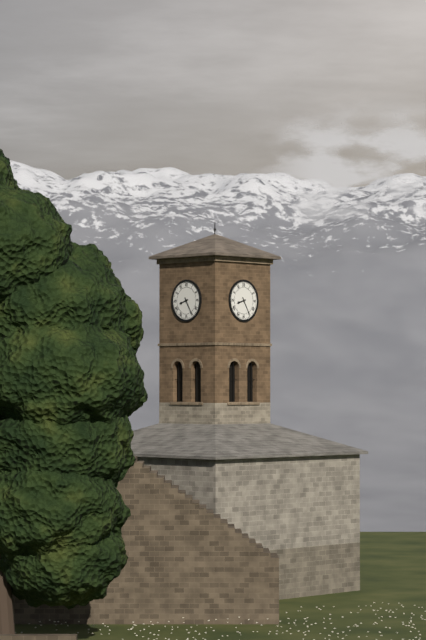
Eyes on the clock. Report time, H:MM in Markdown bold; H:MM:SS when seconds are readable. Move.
**8:25**
